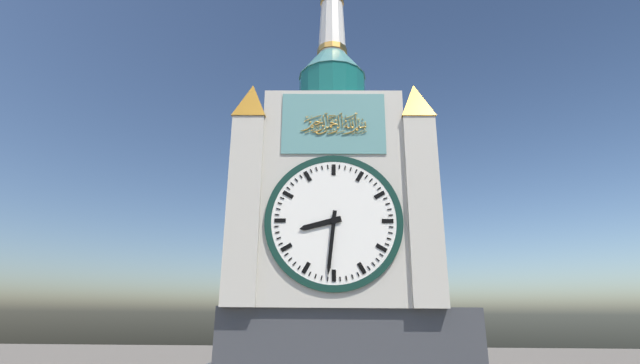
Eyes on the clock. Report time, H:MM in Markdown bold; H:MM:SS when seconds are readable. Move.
**8:31**
